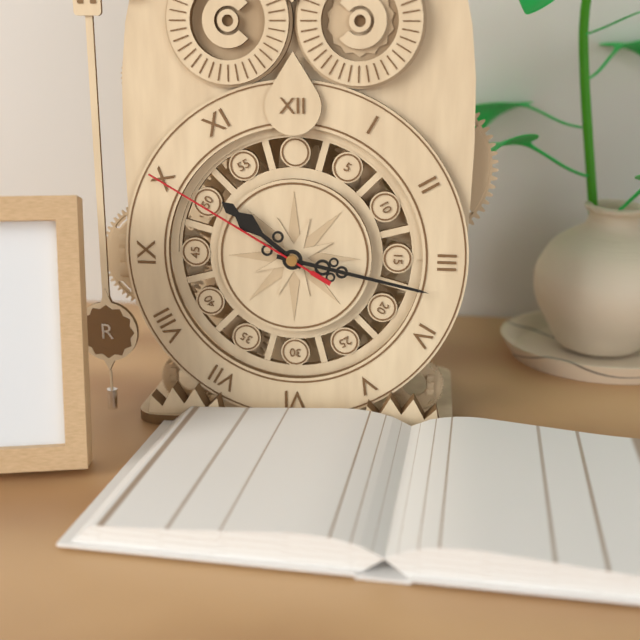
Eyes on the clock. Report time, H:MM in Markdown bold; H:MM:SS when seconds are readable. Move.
**10:17:50**
